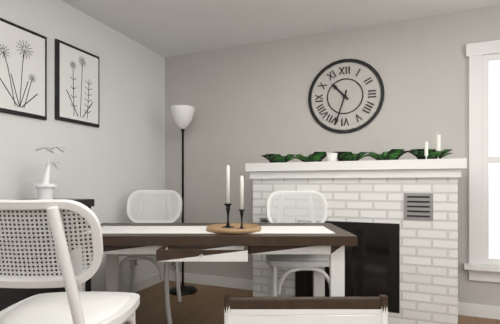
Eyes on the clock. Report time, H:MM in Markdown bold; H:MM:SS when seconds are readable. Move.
**10:33**
